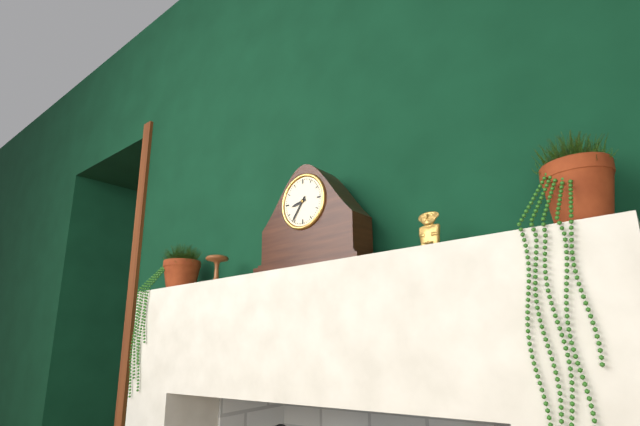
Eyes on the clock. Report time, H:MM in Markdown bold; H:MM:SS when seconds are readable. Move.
**8:36**
